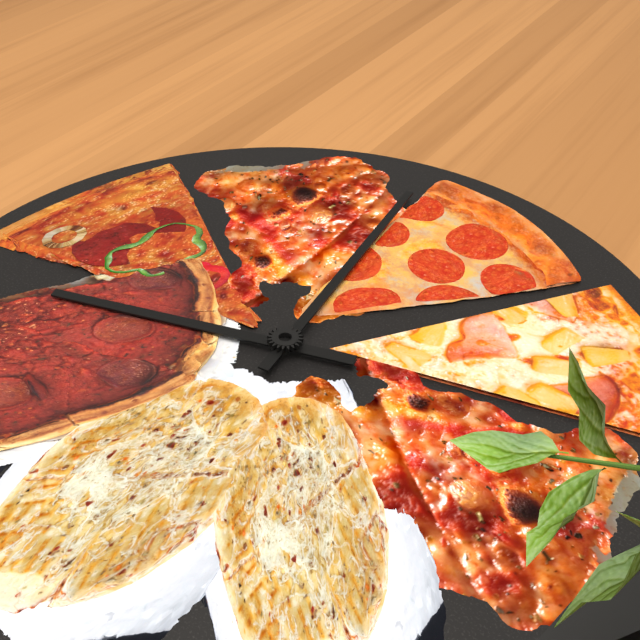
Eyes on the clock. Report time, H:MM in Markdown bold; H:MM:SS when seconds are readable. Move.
**2:29**
